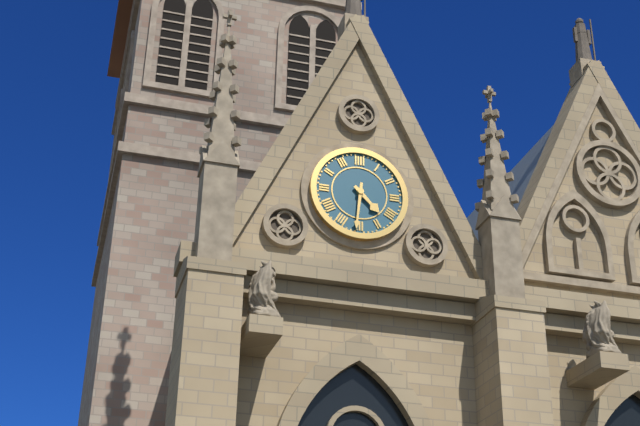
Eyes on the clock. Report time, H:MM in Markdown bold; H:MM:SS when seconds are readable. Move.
**4:31**
